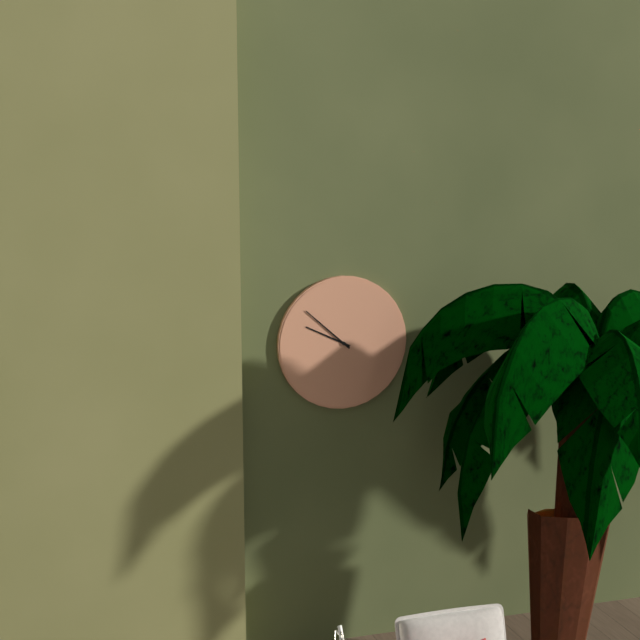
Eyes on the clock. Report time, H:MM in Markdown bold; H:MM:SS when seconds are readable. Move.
**9:52**
